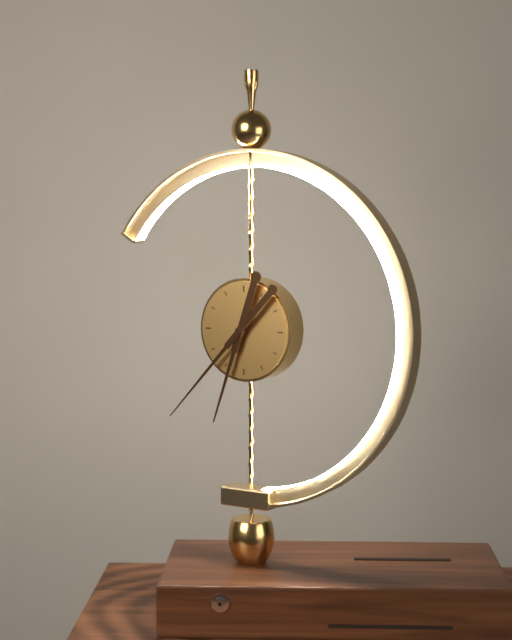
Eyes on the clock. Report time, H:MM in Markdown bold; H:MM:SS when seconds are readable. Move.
**6:37**
